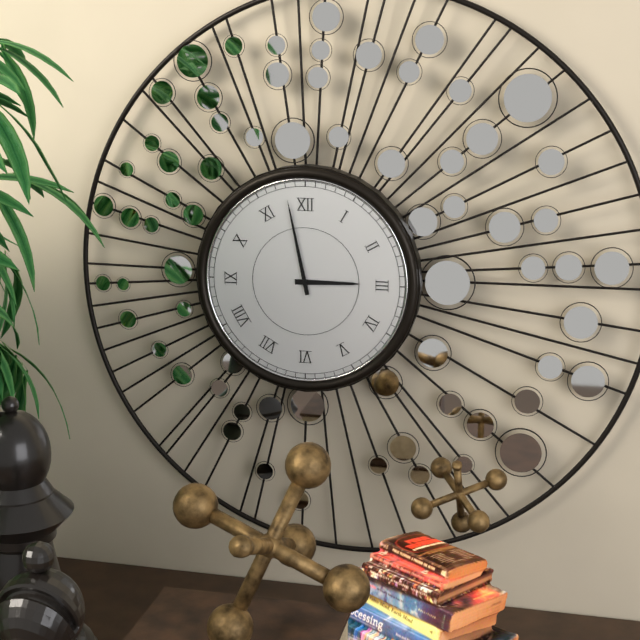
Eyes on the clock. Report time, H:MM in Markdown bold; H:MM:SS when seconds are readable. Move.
**2:58**
